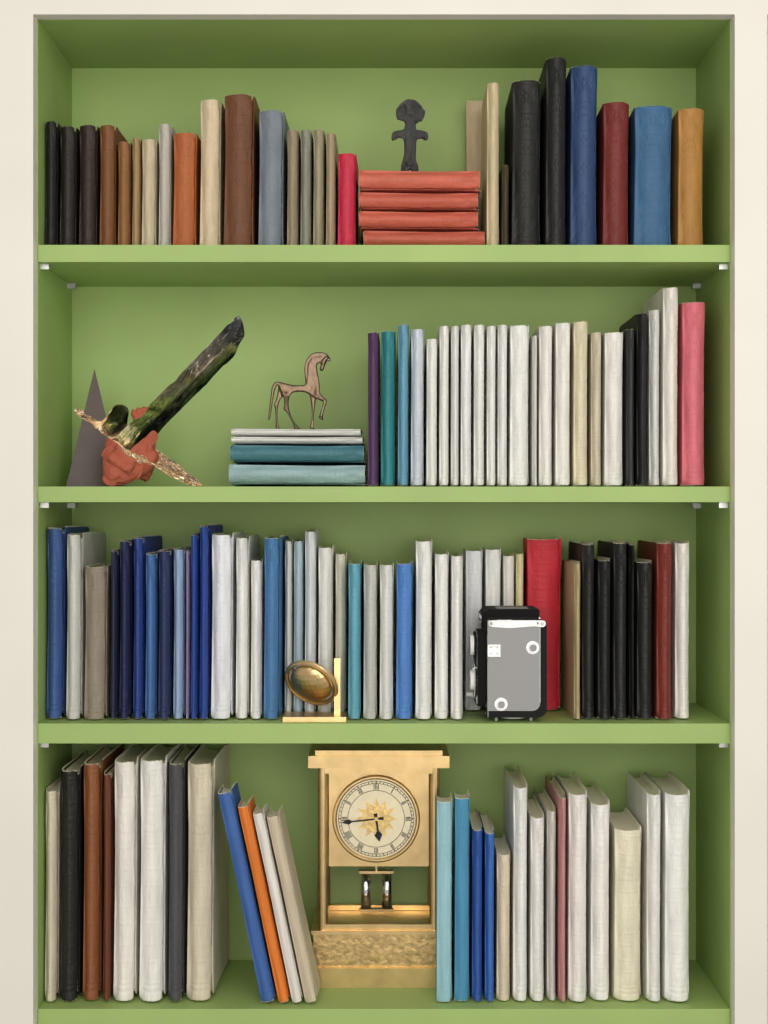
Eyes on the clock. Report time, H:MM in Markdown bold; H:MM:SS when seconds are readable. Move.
**5:44**
